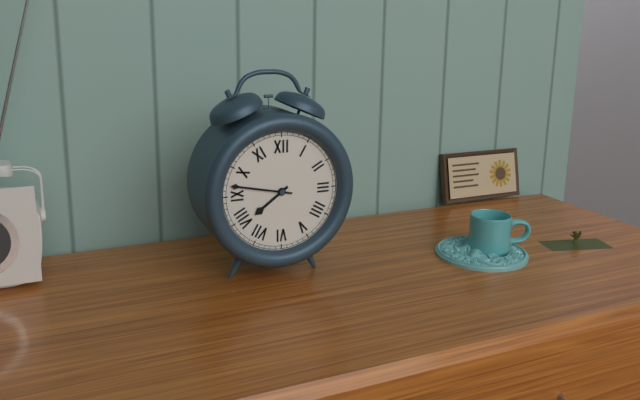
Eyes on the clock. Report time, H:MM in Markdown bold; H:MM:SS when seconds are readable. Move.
**7:47**
